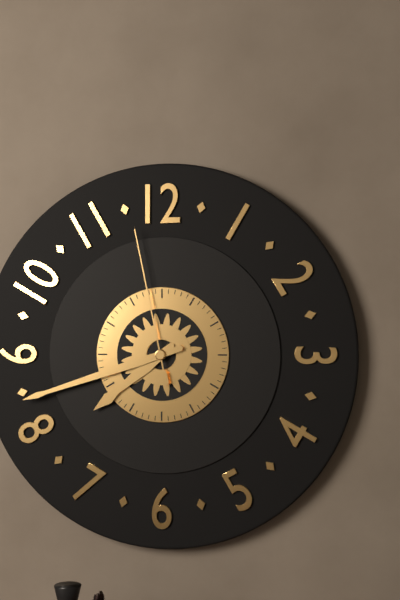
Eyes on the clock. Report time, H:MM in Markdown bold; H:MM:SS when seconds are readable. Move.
**7:42:58**
